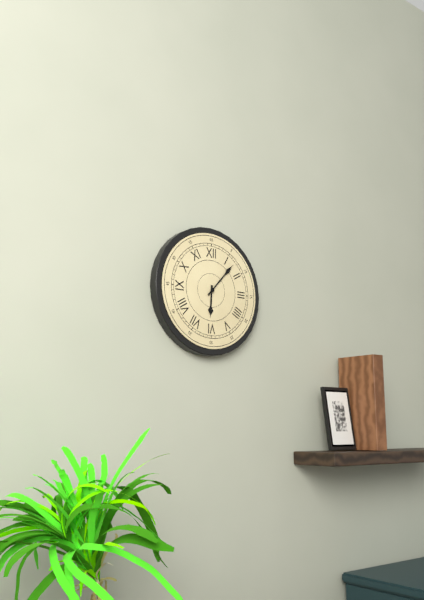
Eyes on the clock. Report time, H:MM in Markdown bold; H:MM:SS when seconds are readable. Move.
**6:07**
